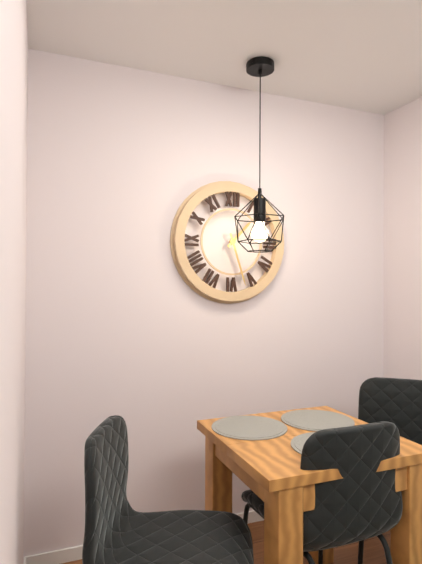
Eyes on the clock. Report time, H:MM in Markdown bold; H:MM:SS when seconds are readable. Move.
**1:27**
